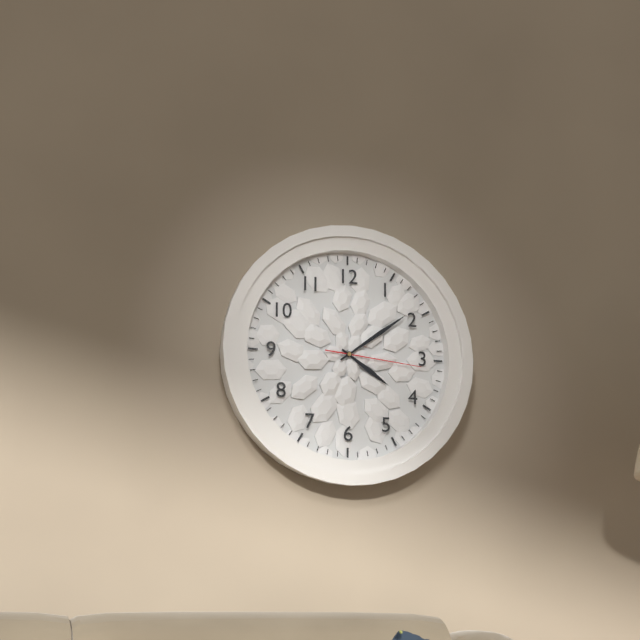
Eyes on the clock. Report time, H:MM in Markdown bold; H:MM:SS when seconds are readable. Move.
**4:09:16**
